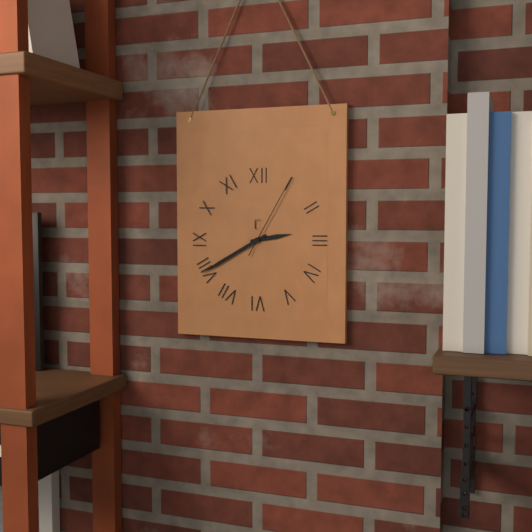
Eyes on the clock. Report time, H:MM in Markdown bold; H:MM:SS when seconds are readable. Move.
**2:40:05**
